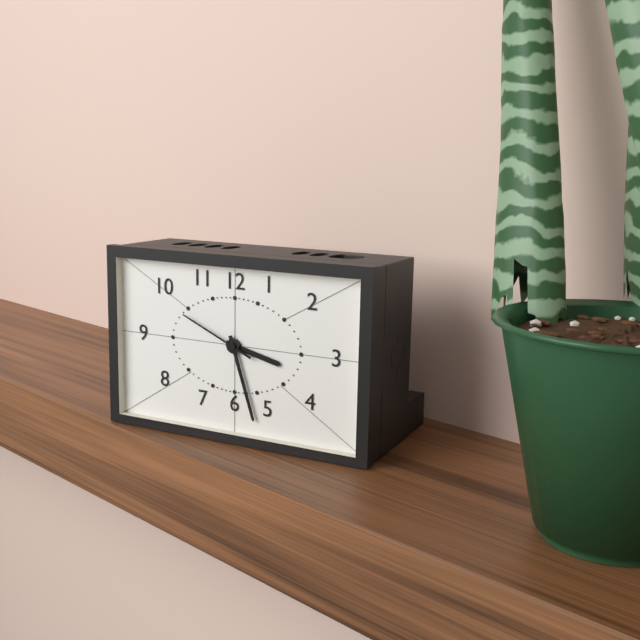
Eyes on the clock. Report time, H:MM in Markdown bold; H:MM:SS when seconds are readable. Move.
**3:27:49**
